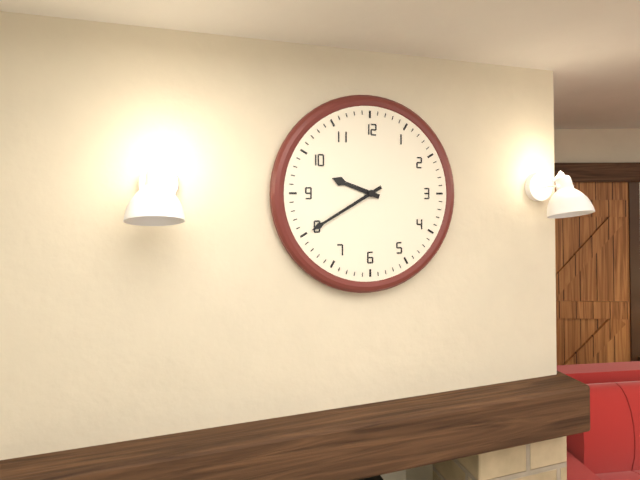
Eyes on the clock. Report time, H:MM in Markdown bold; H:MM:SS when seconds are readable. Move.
**9:40**
